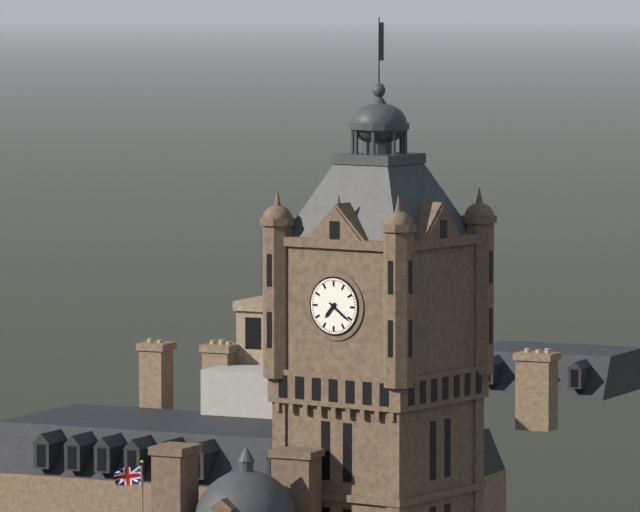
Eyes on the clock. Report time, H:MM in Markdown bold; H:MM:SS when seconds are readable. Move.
**7:21**
